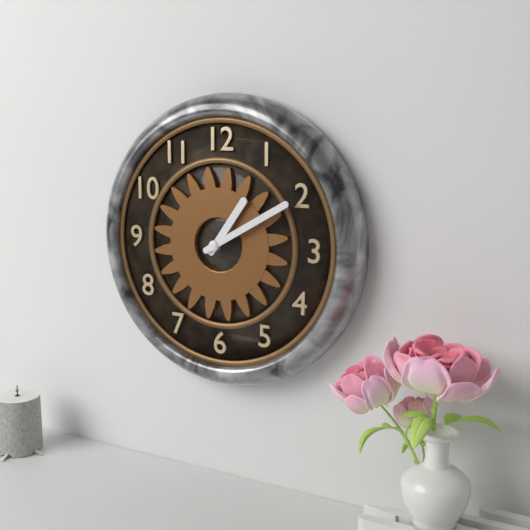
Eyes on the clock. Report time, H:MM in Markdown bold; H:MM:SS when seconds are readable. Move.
**1:10**
